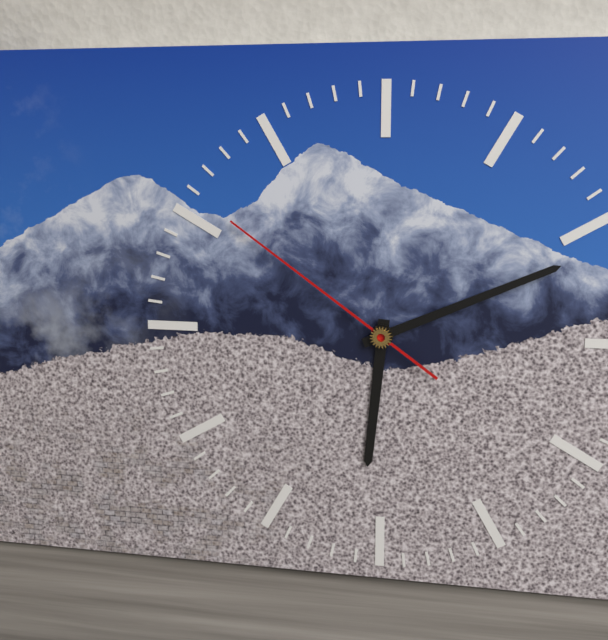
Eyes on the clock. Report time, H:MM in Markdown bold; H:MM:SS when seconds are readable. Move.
**6:11:51**
